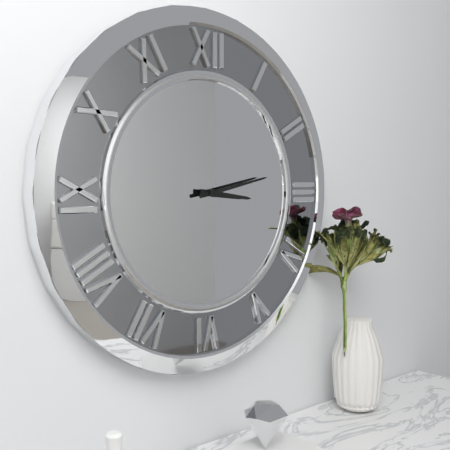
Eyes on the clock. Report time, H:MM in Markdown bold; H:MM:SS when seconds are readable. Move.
**3:13**
